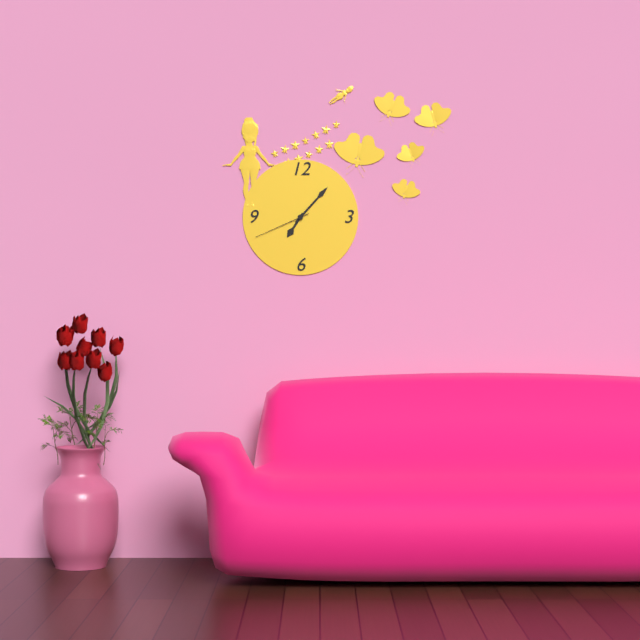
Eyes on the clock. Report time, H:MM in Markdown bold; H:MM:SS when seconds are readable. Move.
**7:07:41**
